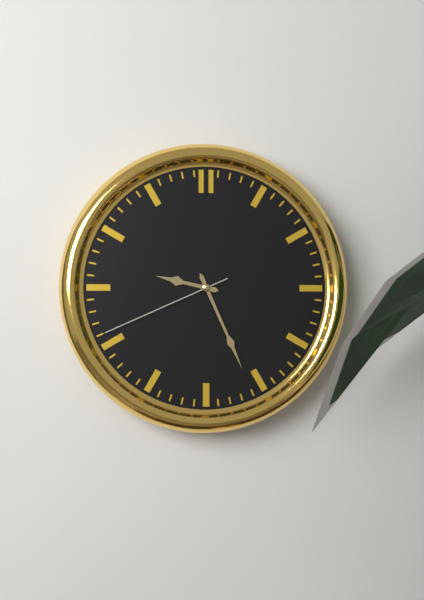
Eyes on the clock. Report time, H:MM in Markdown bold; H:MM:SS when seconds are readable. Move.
**9:26:41**
